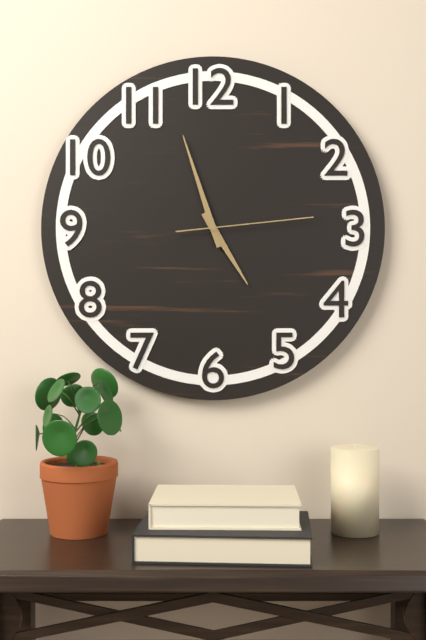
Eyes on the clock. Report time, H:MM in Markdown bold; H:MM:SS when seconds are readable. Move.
**4:57:14**
